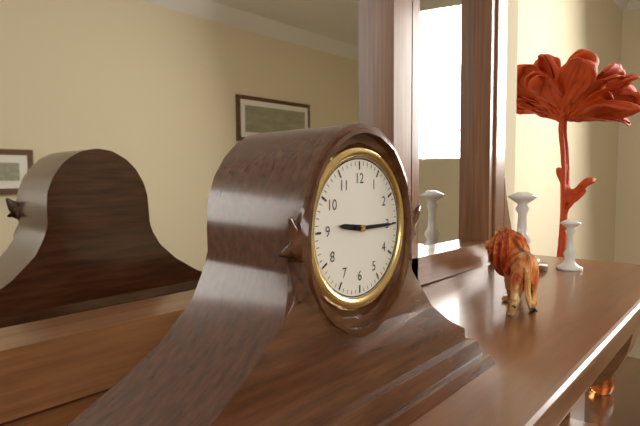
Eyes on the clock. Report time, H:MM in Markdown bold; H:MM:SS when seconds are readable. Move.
**9:15**
